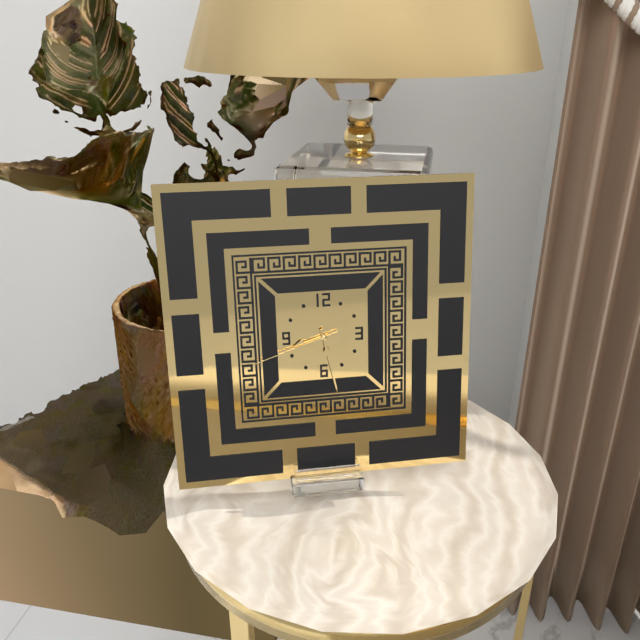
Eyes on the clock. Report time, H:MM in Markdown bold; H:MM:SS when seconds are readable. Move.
**8:28:42**
